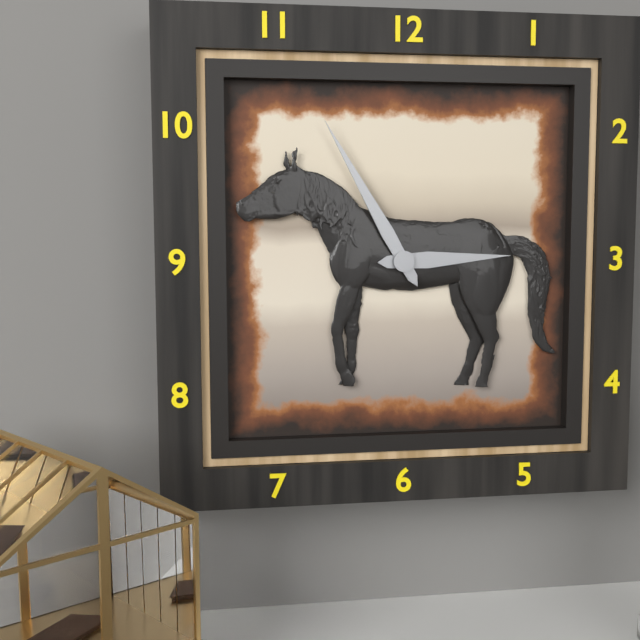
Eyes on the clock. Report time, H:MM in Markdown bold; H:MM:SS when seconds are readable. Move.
**2:55**
